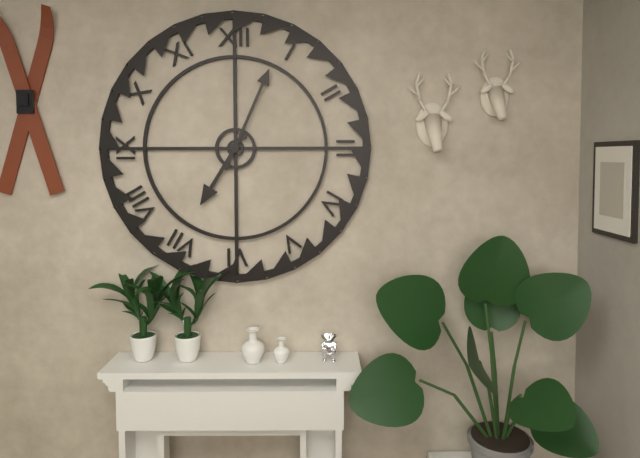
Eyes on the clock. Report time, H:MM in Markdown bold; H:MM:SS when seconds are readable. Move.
**7:04**
